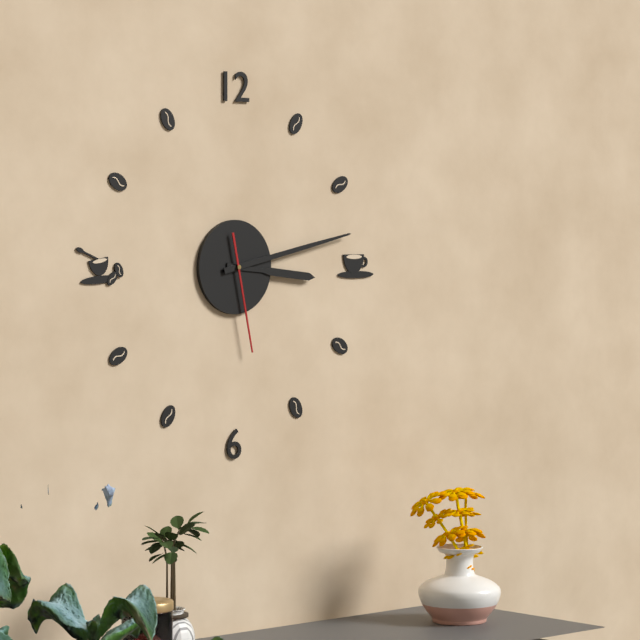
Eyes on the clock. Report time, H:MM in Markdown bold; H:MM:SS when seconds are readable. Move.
**3:13:28**
